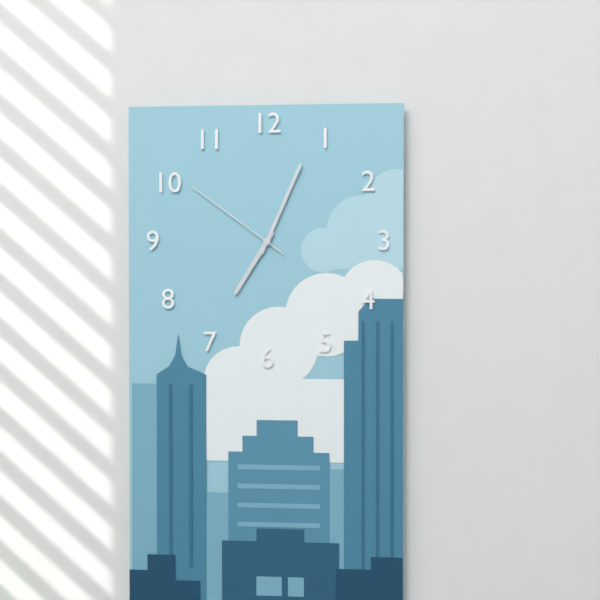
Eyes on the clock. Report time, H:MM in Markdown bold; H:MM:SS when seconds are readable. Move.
**7:04:51**
